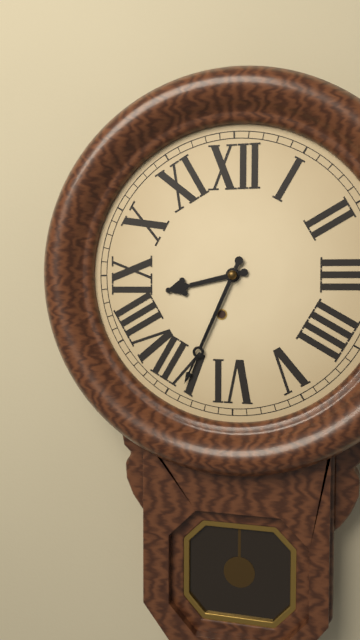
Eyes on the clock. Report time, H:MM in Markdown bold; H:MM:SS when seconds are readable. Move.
**8:34**
